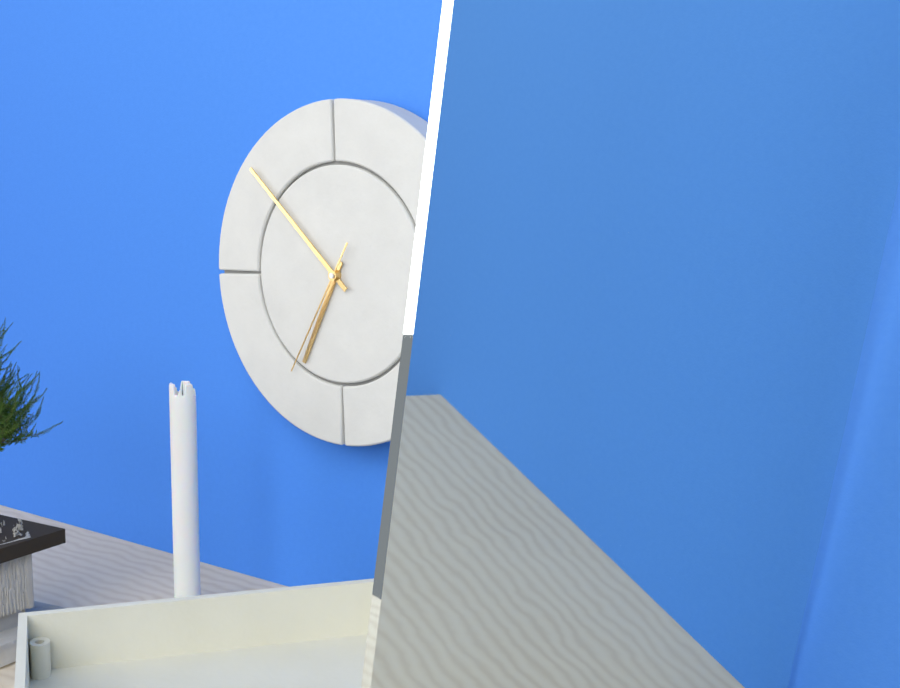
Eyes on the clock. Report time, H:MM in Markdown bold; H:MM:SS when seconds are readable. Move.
**6:52:35**
